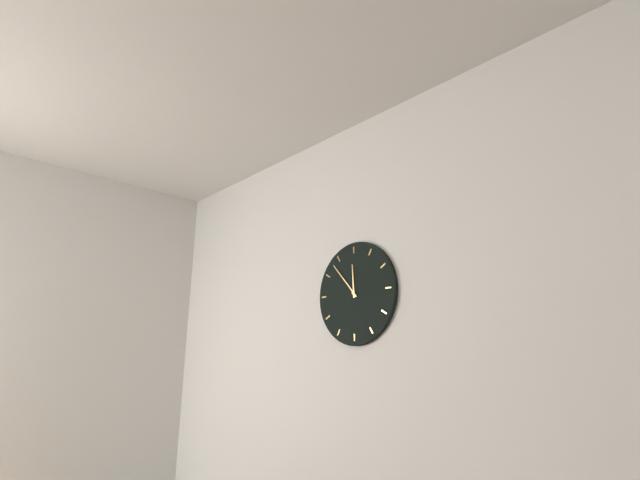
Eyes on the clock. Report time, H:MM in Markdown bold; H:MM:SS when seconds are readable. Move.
**11:53**
